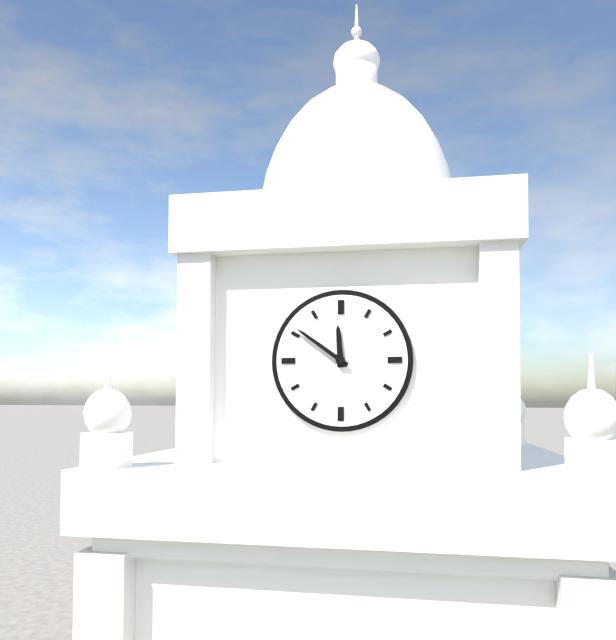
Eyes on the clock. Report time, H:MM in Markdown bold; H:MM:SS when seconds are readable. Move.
**11:51**
